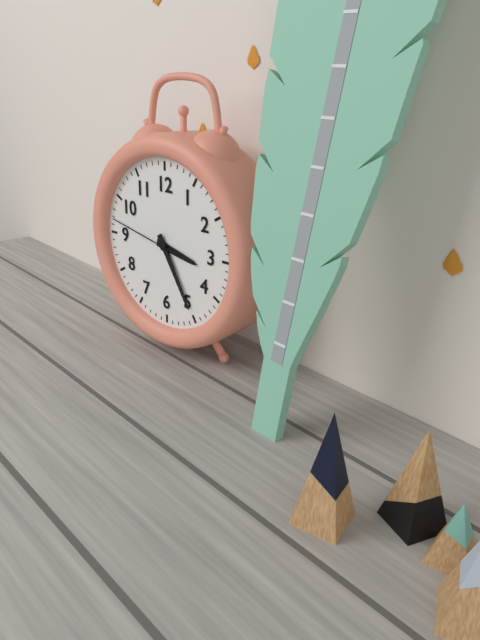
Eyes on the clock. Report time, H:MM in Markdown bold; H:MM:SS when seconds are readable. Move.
**3:25:47**
